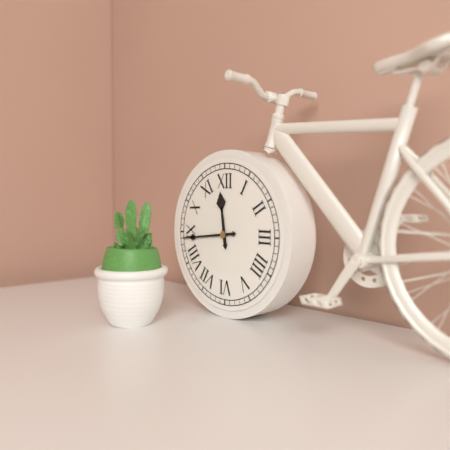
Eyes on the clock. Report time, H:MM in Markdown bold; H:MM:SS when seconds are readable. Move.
**11:44**
